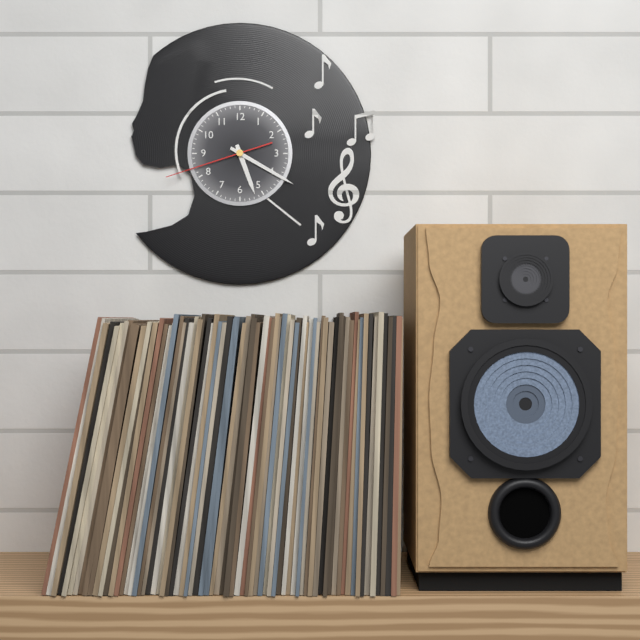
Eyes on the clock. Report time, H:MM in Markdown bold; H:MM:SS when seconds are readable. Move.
**5:20:42**
